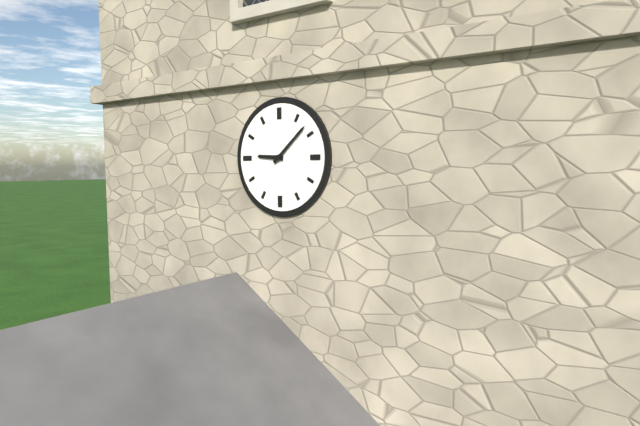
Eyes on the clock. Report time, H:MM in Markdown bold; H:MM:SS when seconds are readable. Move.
**9:08**
